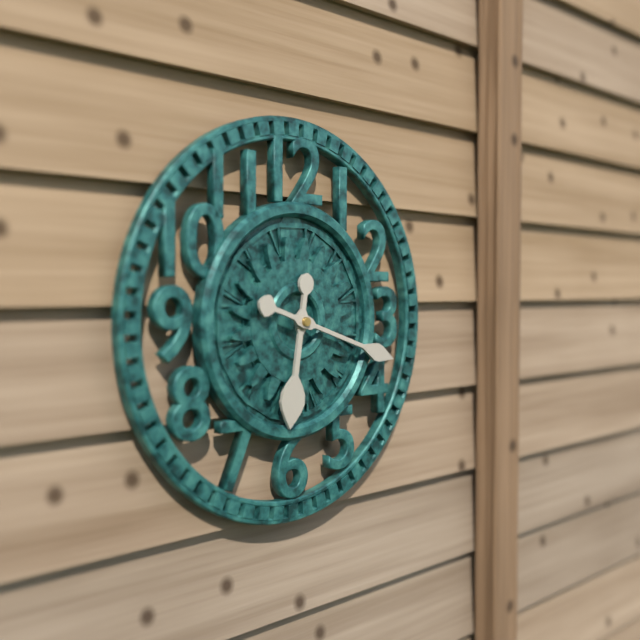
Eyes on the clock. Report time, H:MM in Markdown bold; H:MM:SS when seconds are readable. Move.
**6:18**
